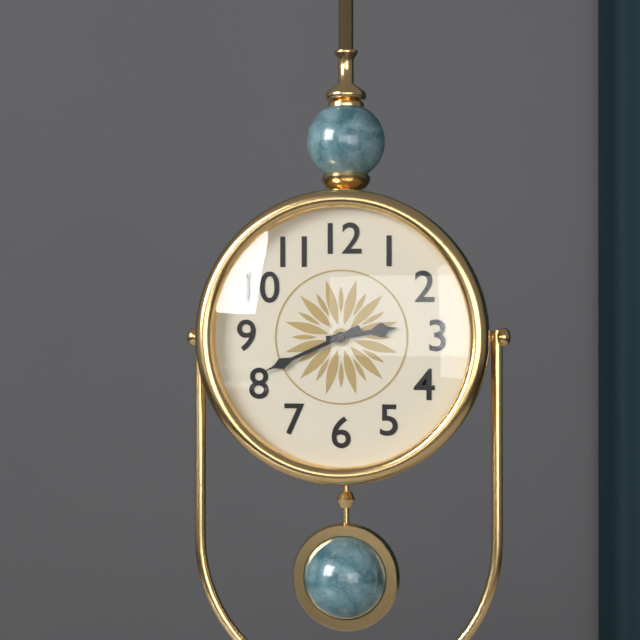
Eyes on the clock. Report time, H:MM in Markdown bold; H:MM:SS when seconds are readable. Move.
**2:41**
